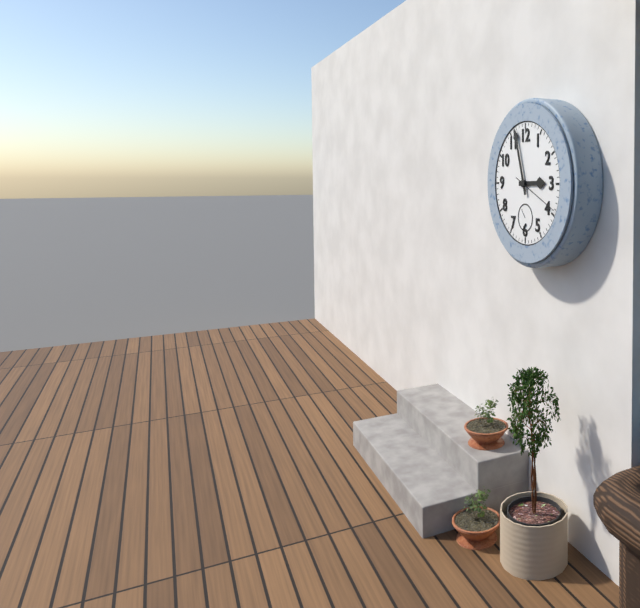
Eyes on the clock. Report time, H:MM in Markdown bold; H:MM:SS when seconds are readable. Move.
**2:57:19**
